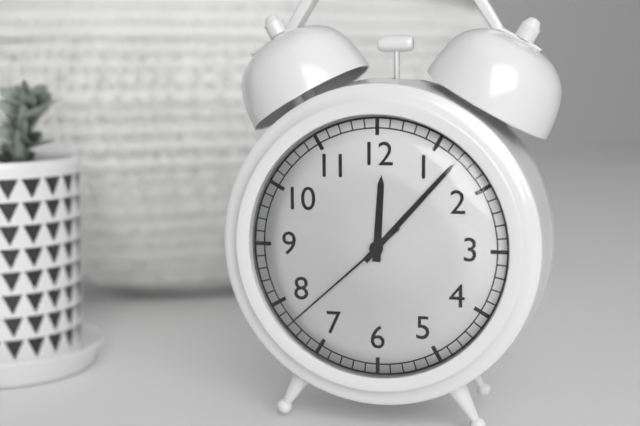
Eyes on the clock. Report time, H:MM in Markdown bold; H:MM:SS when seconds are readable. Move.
**12:07:38**
